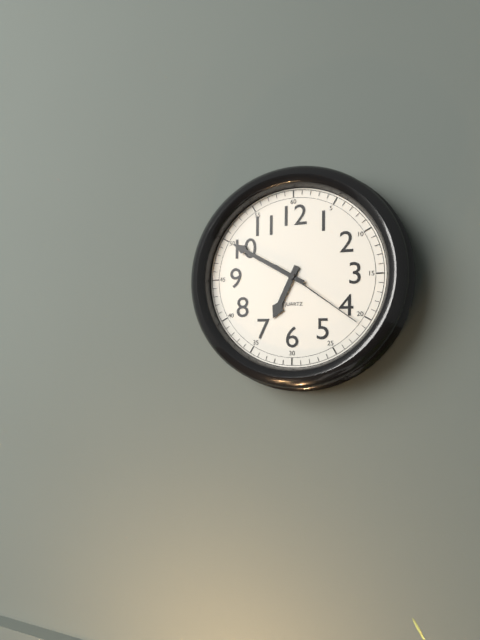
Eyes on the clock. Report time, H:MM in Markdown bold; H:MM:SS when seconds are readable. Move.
**6:50:21**
